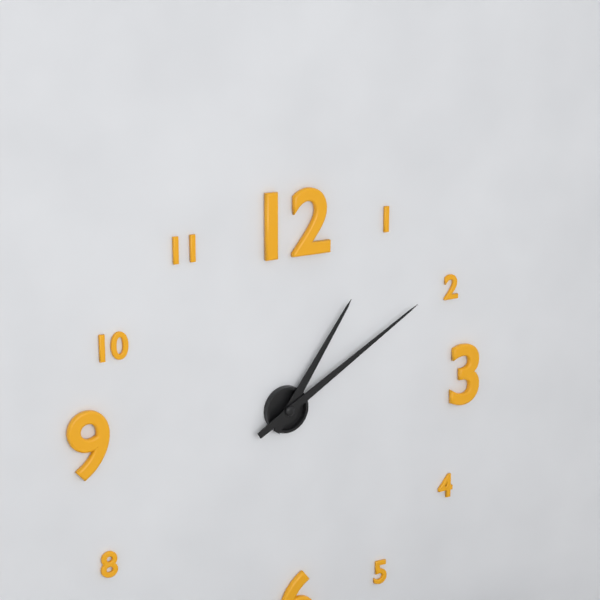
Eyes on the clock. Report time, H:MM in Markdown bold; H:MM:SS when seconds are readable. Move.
**1:10**
